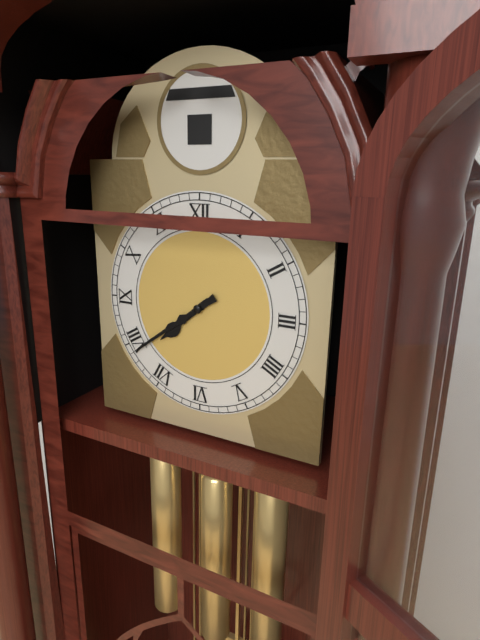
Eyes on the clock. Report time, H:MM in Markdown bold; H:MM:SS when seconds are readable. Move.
**7:39**
